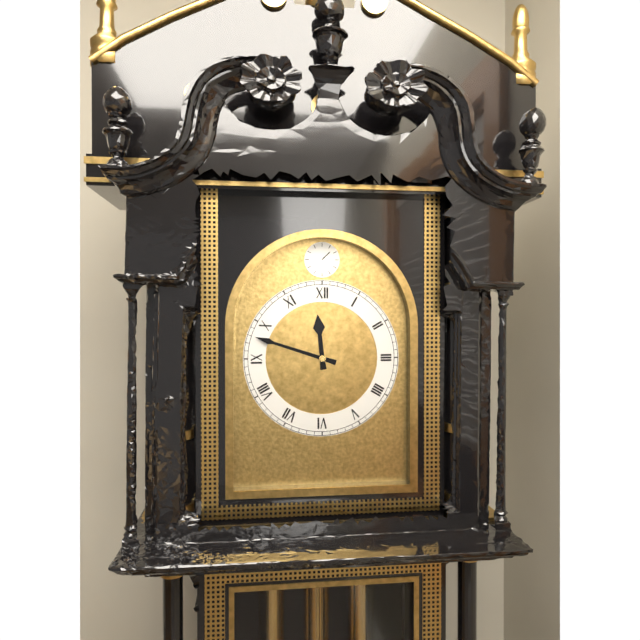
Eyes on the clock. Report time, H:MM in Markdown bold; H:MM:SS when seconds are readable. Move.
**11:48**
